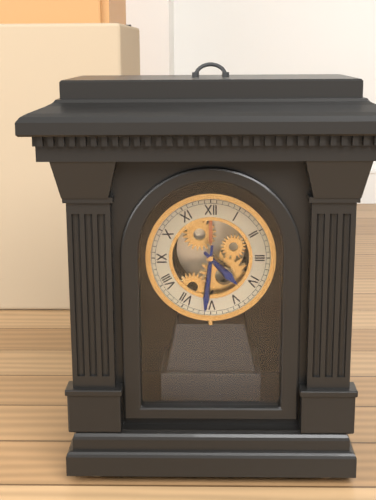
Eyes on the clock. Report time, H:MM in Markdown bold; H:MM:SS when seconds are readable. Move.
**4:31**
